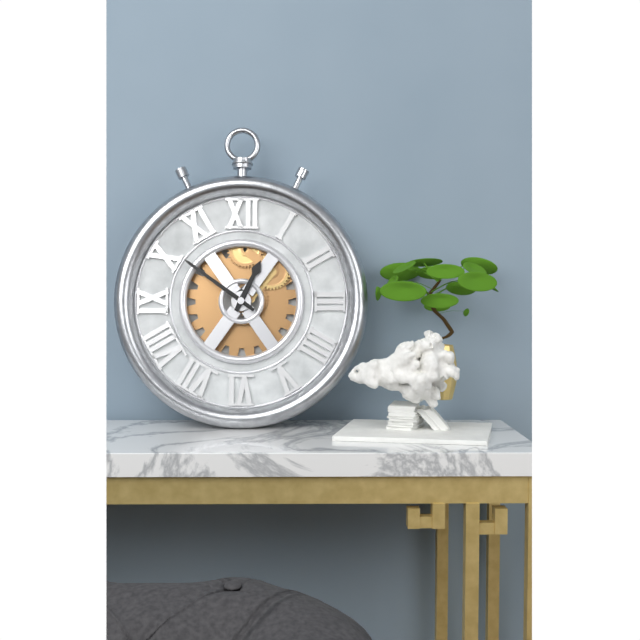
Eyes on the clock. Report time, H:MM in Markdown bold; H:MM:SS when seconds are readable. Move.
**12:51**
